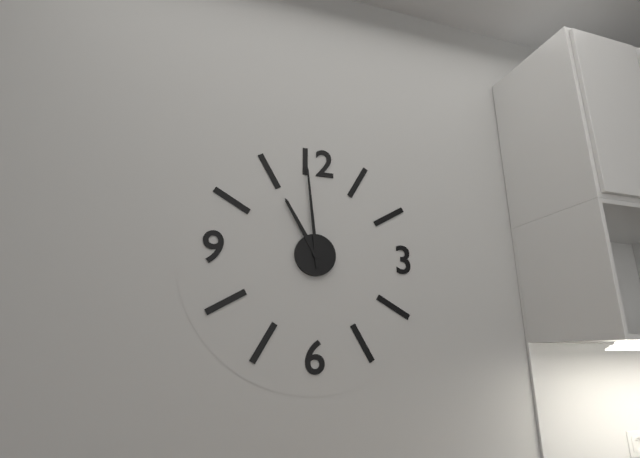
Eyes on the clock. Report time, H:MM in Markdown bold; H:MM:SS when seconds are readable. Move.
**10:59**
